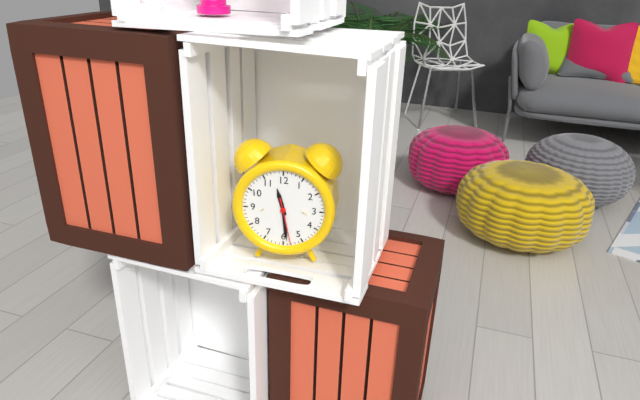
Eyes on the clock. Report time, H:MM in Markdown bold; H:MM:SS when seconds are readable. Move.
**11:29**
